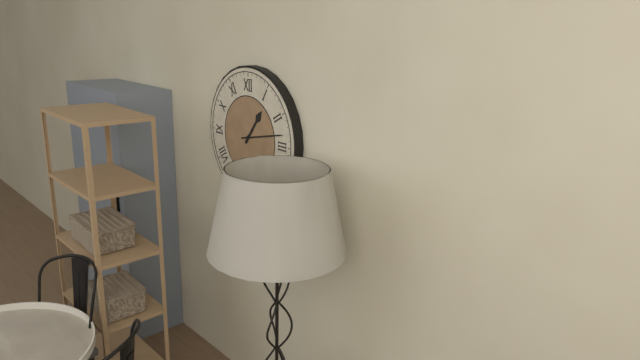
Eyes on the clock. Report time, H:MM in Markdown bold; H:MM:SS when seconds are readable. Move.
**1:13**
